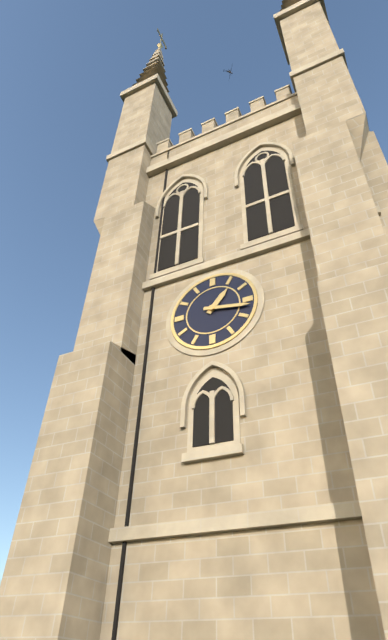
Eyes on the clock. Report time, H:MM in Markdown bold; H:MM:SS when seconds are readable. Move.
**1:17**
